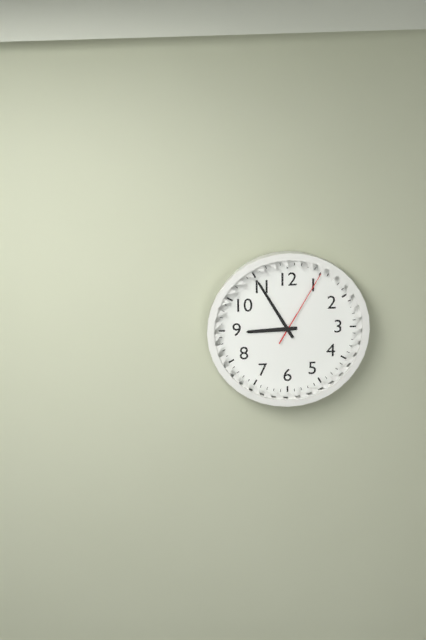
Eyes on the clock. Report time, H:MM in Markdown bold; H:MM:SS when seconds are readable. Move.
**8:55:05**
